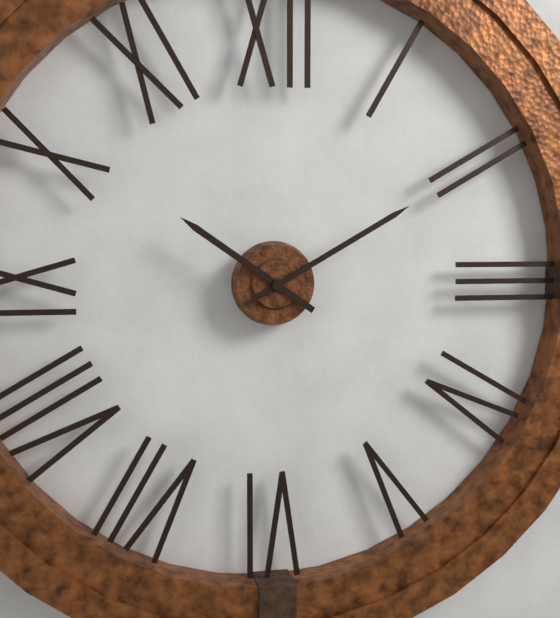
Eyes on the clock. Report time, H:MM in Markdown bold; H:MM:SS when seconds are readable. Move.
**10:10**
